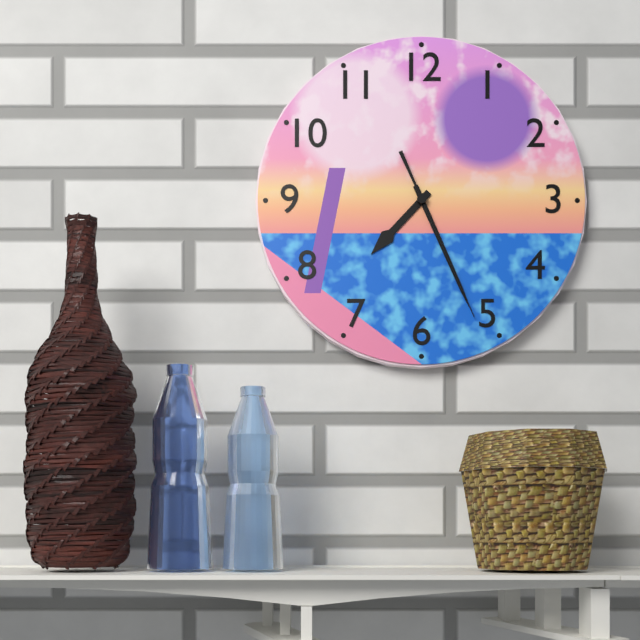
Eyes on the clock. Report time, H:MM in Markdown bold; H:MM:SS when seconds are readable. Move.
**7:26:26**
